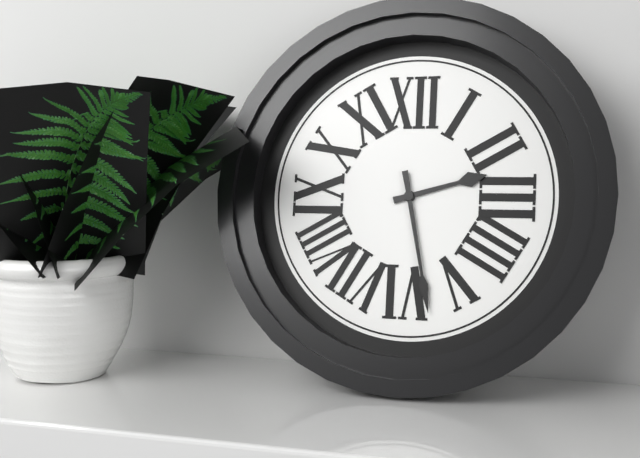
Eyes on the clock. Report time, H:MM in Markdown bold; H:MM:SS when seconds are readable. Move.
**2:28**
